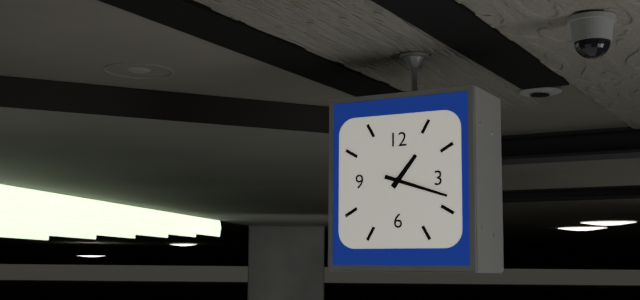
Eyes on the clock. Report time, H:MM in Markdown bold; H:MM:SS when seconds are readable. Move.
**1:18**
